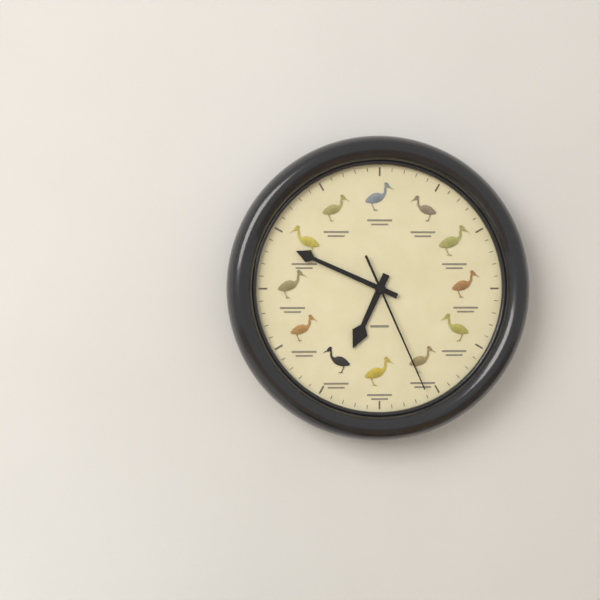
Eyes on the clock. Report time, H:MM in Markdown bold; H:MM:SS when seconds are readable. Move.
**6:49:26**
